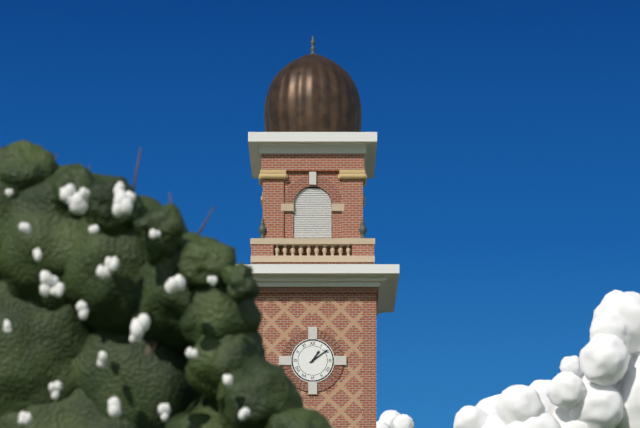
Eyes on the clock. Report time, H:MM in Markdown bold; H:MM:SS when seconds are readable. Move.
**1:09**
